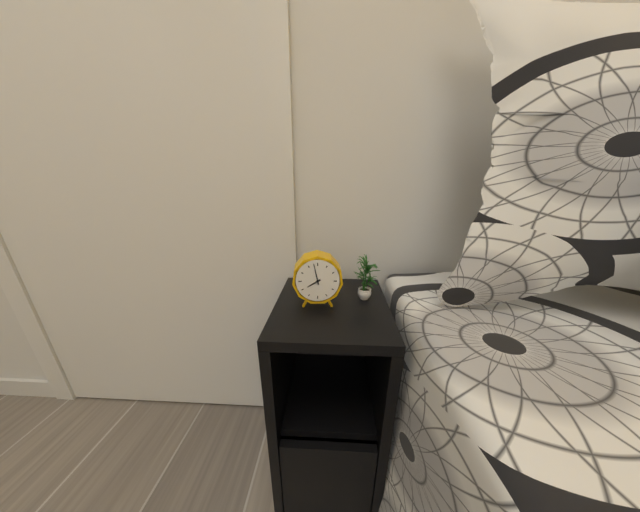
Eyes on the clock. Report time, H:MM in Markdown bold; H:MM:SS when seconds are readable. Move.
**7:58**
